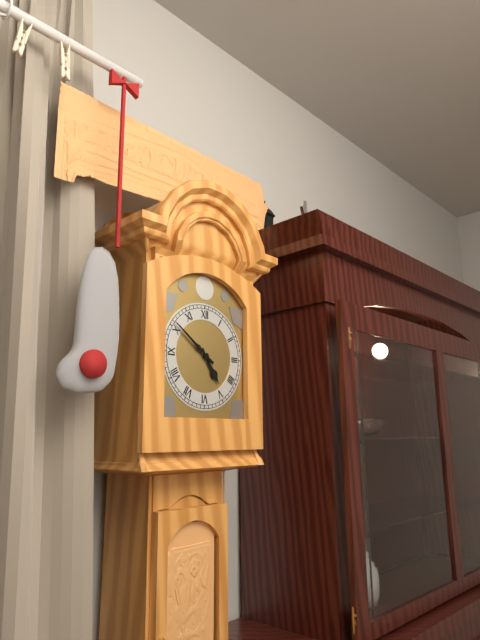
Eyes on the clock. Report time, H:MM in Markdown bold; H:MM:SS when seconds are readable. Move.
**4:51**
